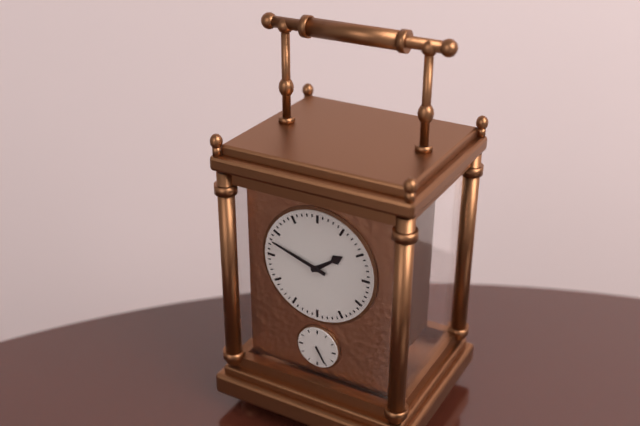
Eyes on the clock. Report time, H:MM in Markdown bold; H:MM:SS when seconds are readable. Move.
**1:48**
